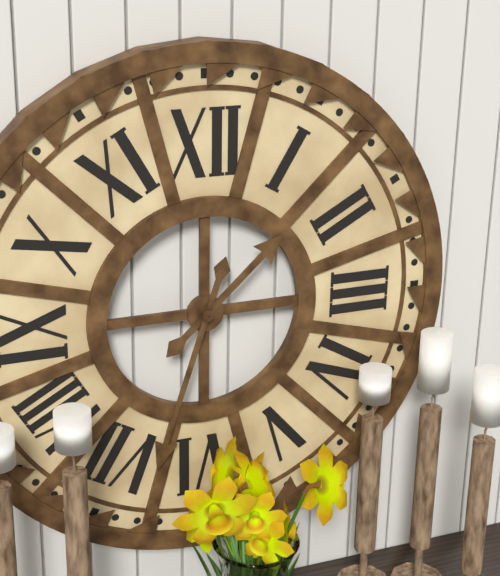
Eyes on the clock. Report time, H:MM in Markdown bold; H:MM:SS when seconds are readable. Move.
**1:33**
